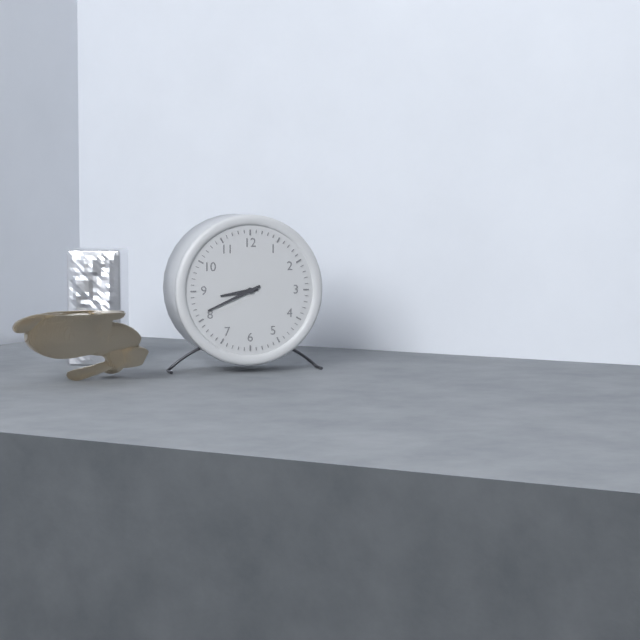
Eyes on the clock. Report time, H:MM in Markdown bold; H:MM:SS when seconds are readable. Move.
**8:41**
